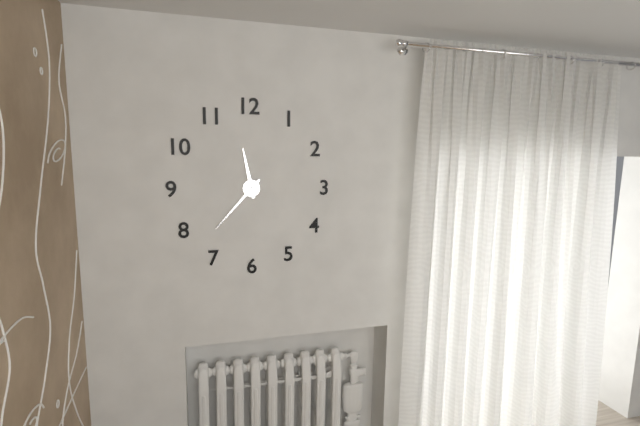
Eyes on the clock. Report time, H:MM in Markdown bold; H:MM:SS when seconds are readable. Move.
**11:37**
